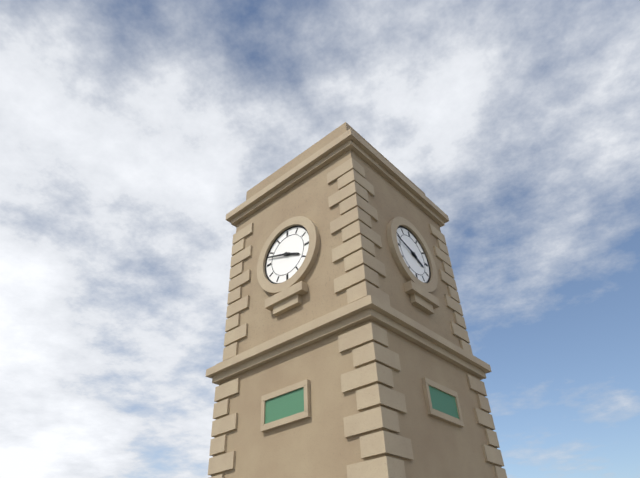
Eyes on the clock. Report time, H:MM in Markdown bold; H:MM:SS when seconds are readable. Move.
**3:48**
